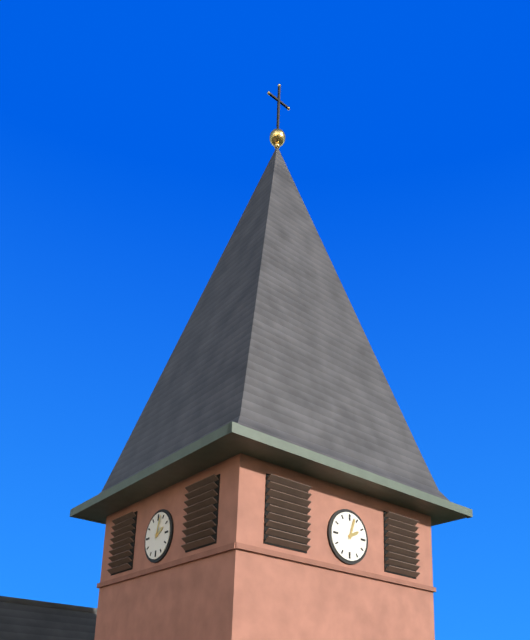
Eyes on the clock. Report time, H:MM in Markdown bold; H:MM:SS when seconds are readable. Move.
**2:03**
